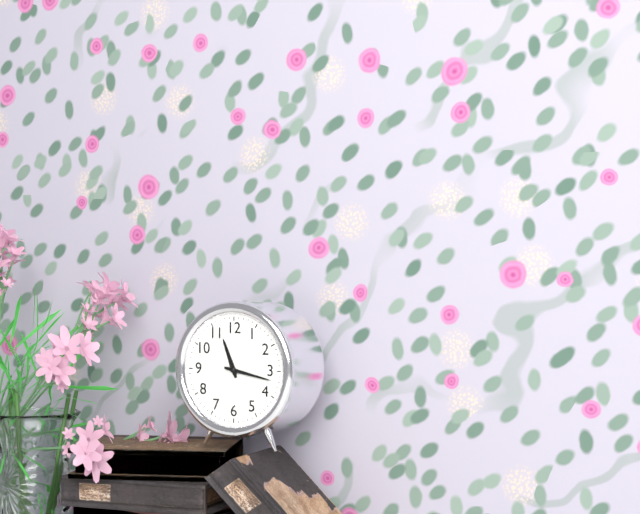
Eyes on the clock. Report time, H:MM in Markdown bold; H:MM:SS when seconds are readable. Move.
**11:17**
